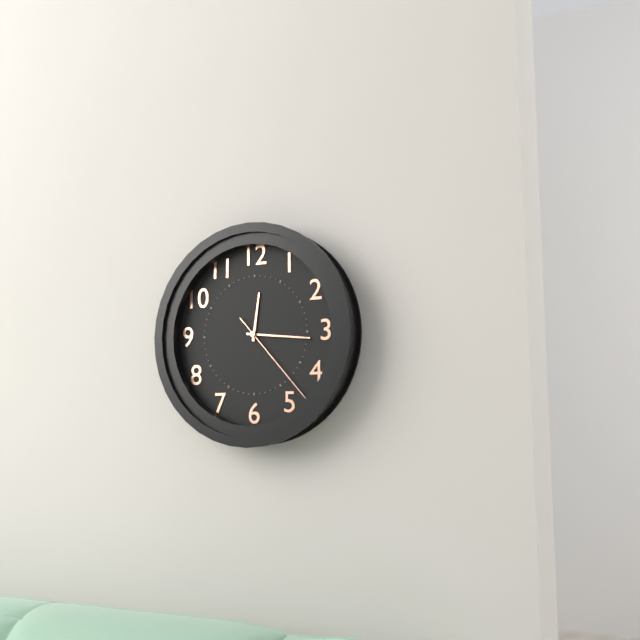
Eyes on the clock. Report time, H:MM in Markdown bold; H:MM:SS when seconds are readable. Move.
**12:16:23**
